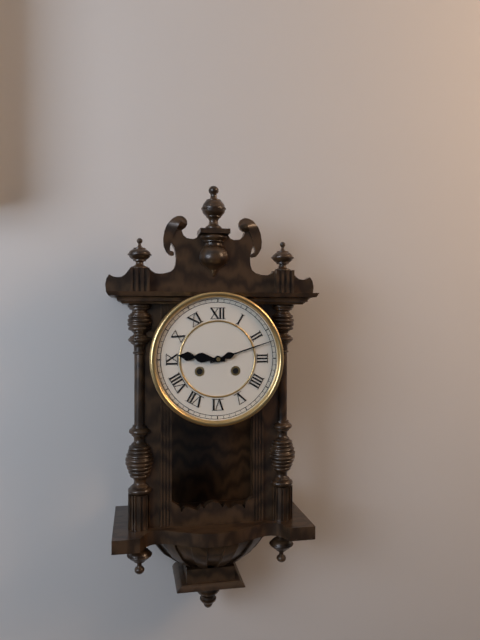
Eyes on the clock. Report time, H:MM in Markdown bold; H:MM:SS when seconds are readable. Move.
**9:12**
